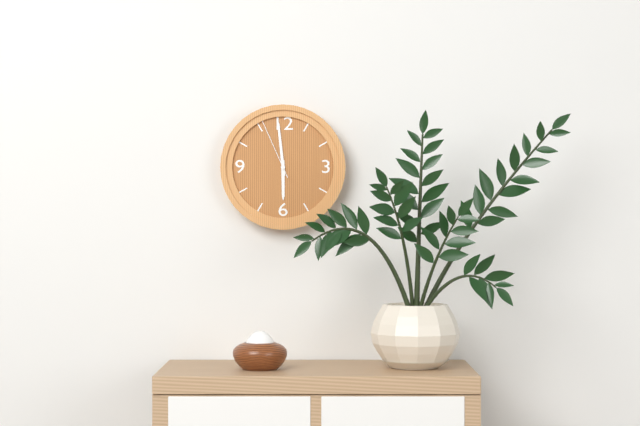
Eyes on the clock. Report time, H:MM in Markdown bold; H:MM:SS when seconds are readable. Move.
**5:59:56**
